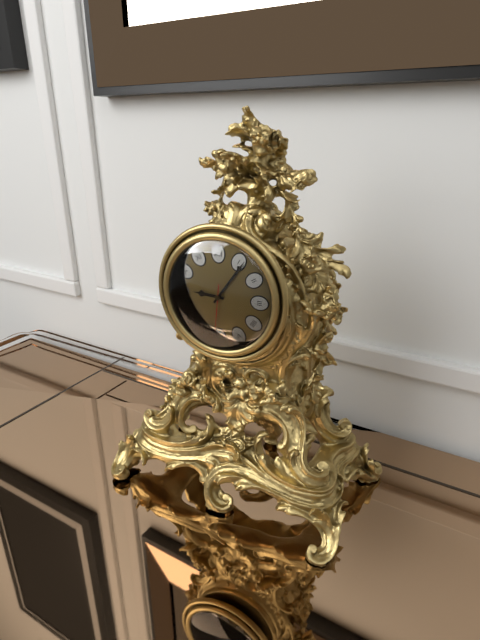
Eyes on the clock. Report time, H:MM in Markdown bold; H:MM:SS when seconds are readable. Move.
**9:06:31**
